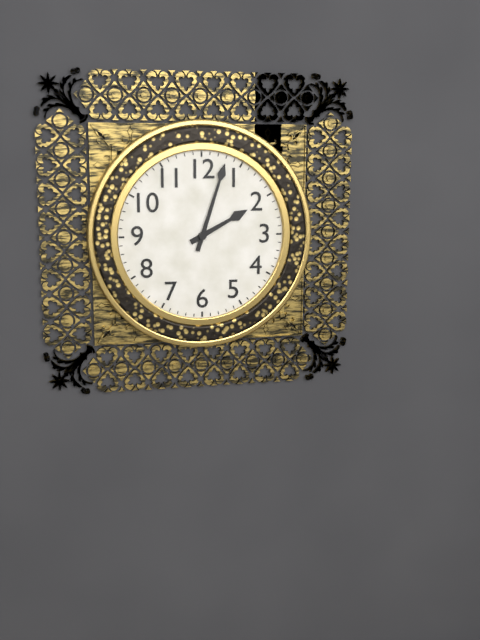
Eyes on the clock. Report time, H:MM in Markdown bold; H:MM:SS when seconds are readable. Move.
**2:03**
